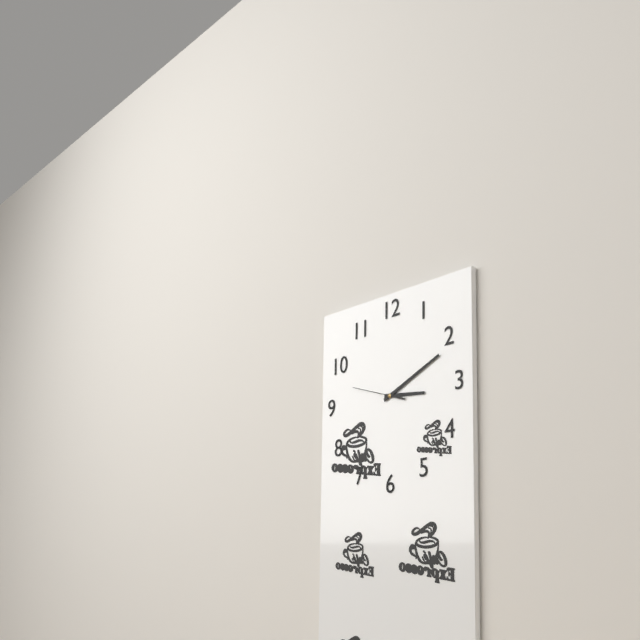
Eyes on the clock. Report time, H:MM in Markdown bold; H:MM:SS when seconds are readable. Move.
**3:11**
